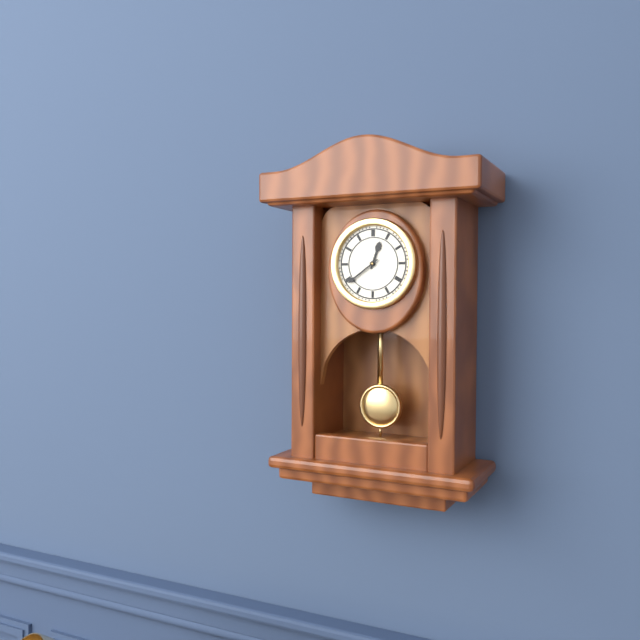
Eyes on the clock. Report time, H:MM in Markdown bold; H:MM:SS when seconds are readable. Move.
**12:39**
